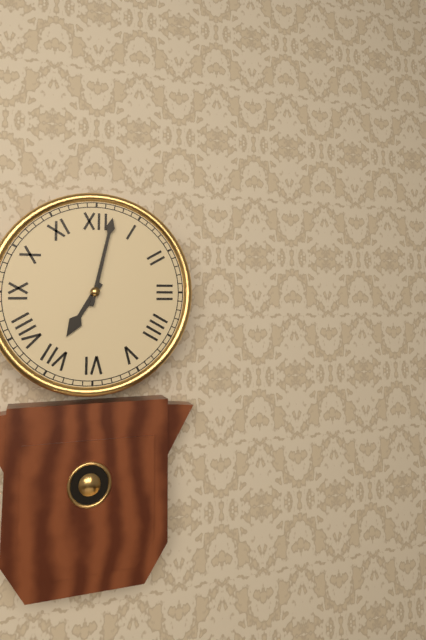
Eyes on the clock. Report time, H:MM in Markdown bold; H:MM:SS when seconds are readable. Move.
**7:02**
